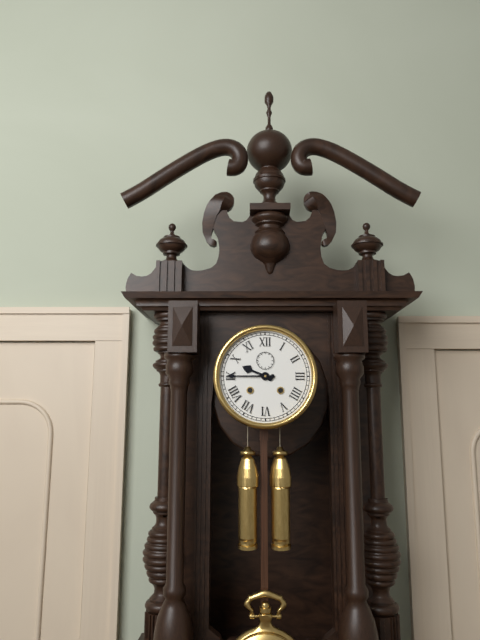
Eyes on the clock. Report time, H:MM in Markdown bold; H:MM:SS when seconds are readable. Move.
**9:45**
